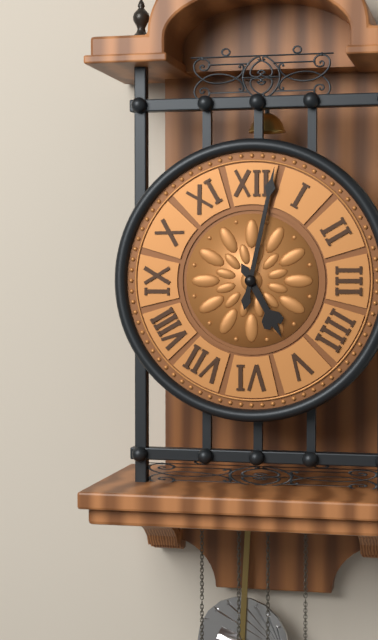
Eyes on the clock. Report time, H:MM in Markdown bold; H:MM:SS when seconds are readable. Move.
**5:02**
